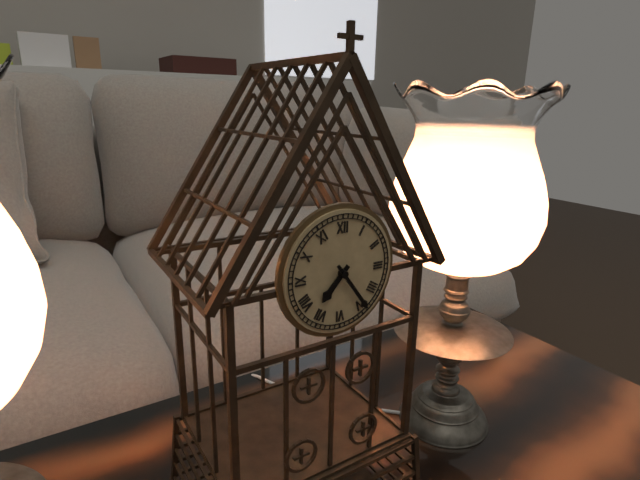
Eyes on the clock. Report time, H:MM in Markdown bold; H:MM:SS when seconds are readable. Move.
**7:24**
